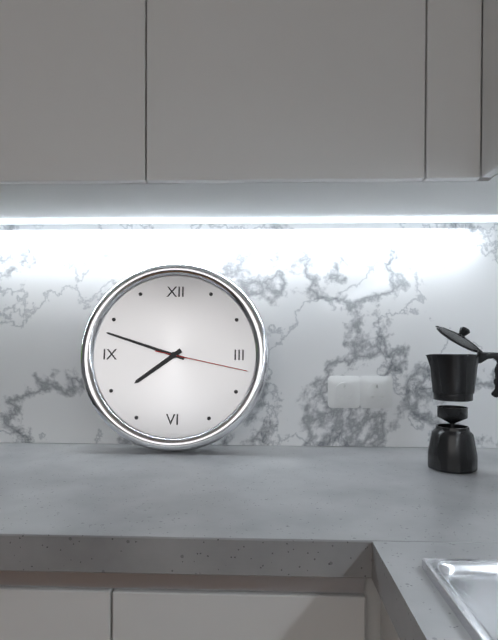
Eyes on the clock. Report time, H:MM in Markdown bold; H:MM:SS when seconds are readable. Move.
**7:48:17**
